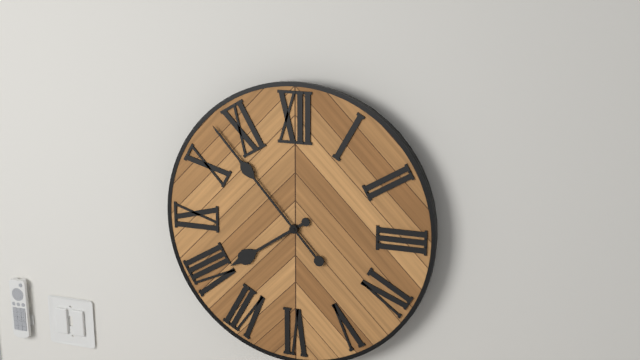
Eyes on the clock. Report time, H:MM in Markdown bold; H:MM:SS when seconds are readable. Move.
**7:53**
